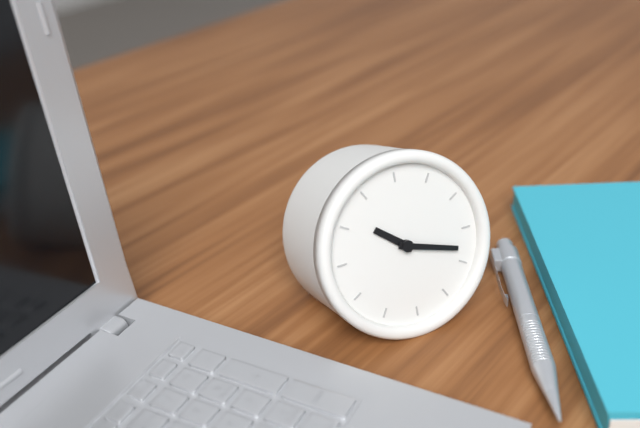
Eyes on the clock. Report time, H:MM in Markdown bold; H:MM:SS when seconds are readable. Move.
**10:18**
